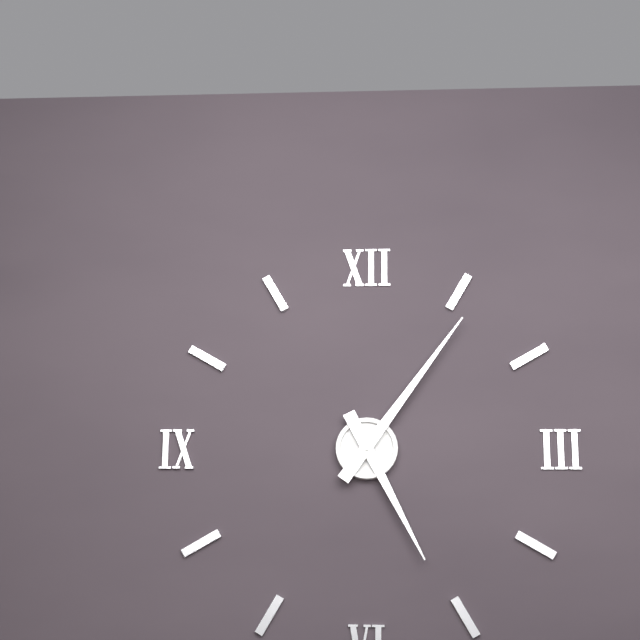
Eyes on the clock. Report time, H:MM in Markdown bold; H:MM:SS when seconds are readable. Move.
**5:06**
